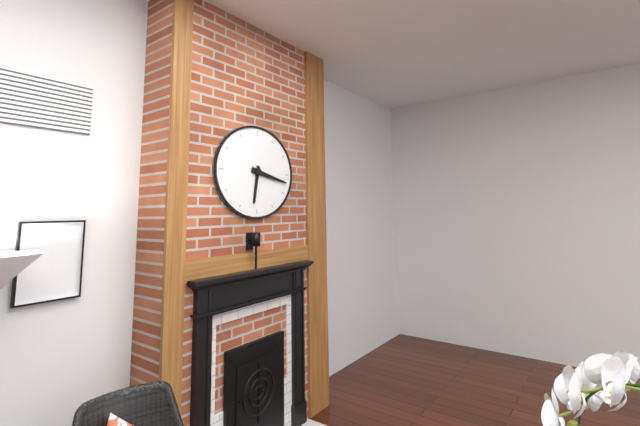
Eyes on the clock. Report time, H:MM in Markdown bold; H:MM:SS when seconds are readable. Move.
**6:17**
